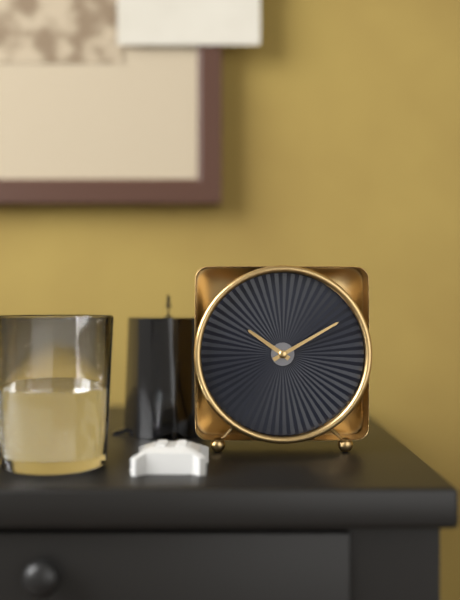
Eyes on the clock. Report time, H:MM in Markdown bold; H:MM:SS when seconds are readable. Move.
**10:10**
